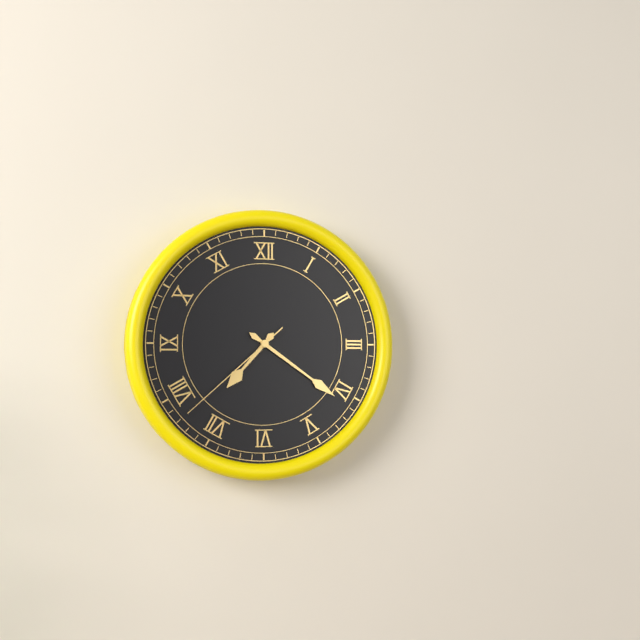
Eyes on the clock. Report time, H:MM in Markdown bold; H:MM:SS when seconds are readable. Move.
**7:21:38**
